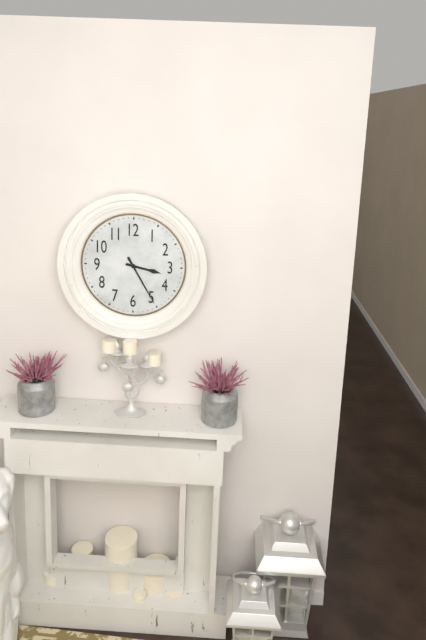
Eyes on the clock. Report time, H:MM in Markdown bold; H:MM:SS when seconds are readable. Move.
**3:25**
